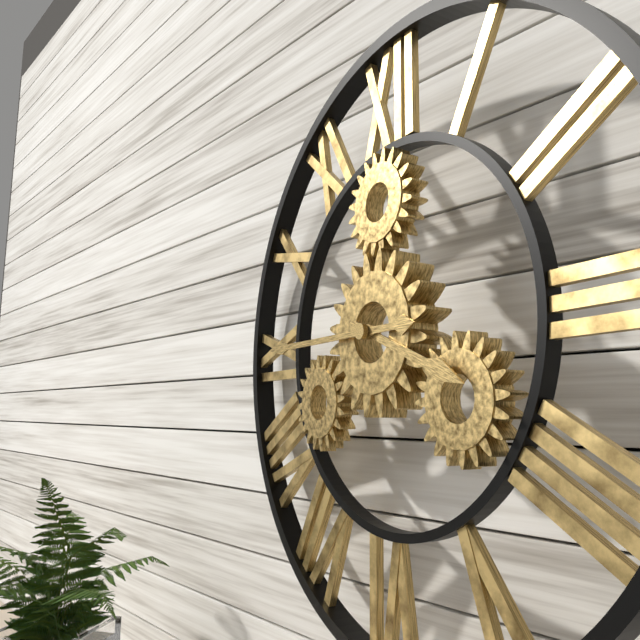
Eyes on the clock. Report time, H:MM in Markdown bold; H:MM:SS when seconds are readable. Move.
**3:45**
